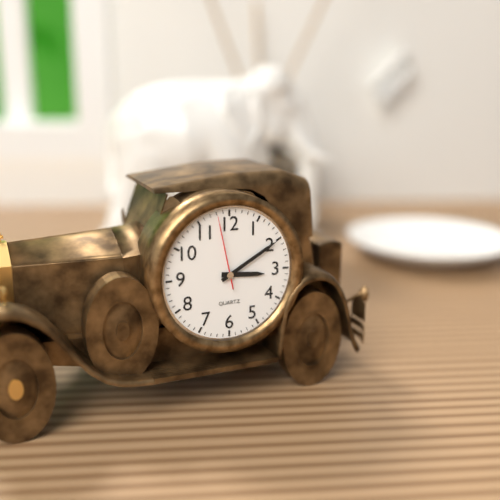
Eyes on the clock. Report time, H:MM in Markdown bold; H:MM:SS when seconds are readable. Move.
**3:10:58**
